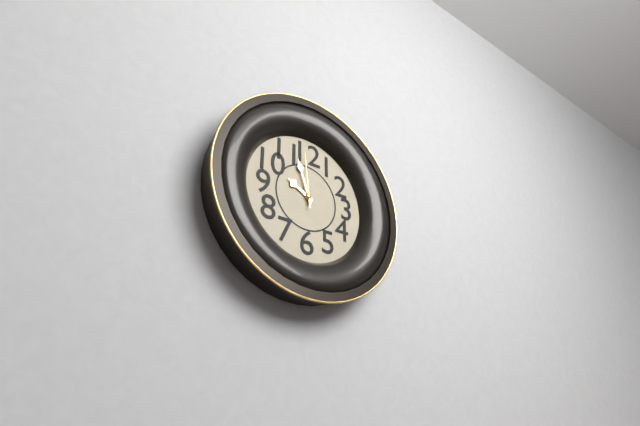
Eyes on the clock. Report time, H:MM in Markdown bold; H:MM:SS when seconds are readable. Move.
**9:57:59**
